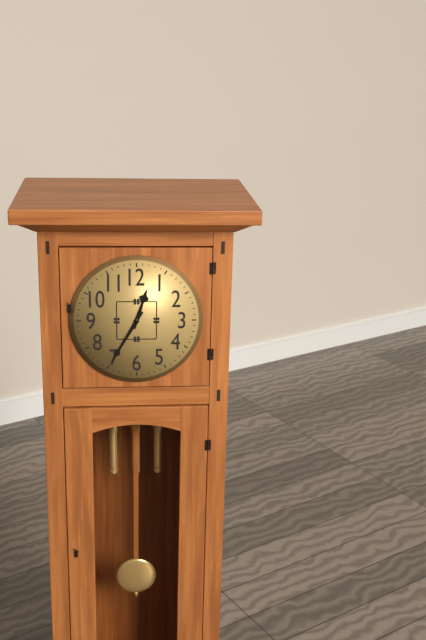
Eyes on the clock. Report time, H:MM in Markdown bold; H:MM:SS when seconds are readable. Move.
**12:35**
